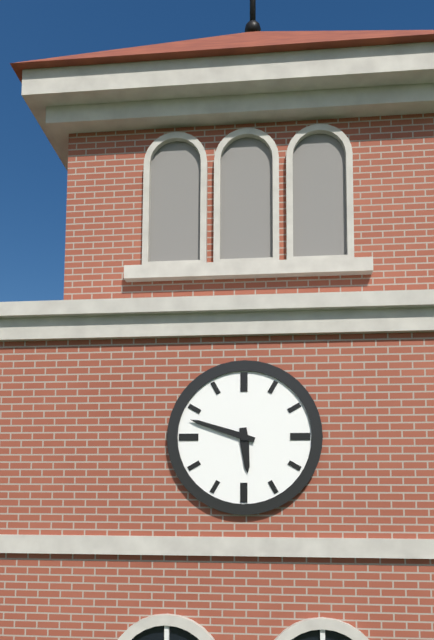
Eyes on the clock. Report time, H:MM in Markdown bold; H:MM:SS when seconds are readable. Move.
**5:48**
